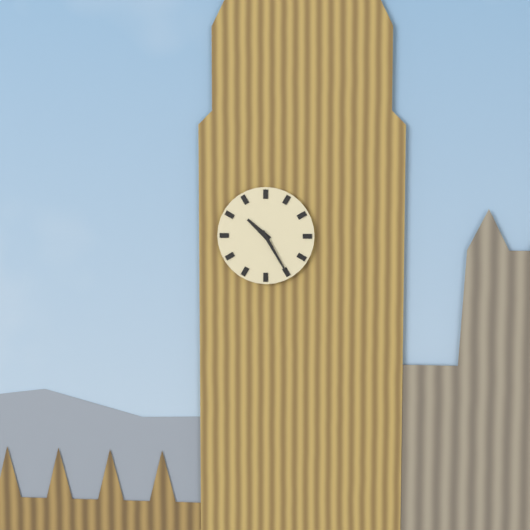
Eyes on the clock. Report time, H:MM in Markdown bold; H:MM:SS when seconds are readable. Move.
**10:25**
